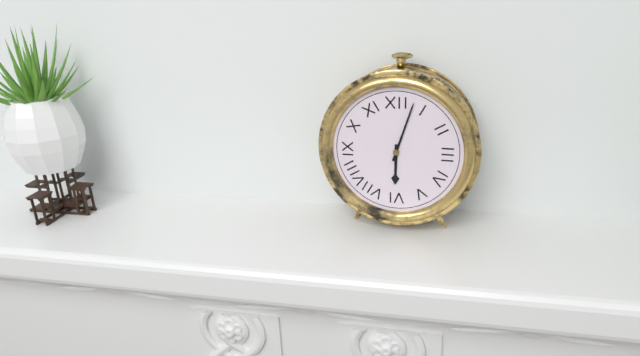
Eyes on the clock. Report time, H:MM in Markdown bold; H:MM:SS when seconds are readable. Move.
**6:03**
